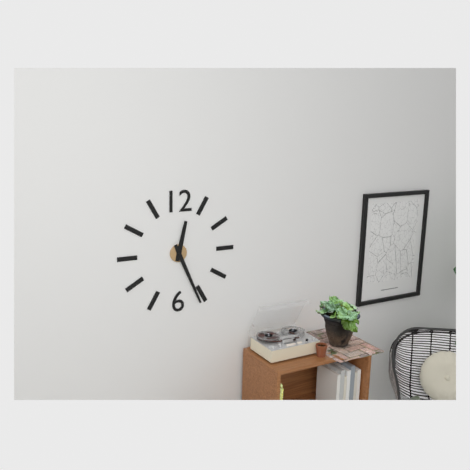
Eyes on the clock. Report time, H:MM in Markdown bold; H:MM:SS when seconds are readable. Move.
**12:26**
